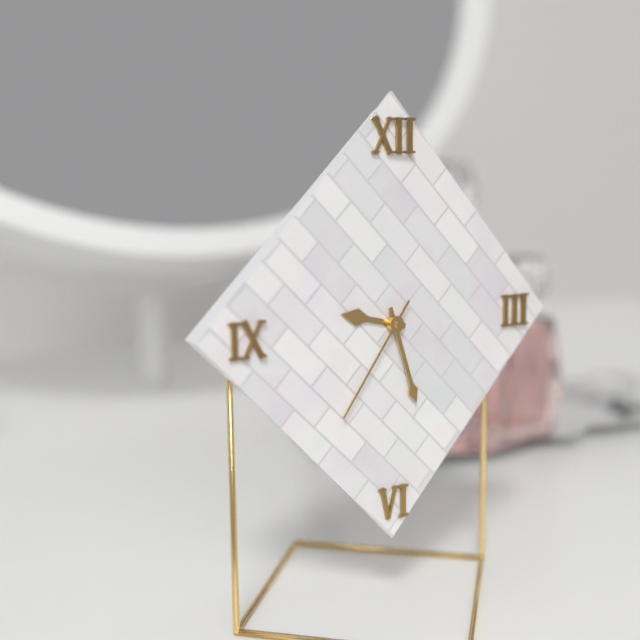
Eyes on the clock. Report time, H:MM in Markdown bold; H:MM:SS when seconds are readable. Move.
**9:27:36**
